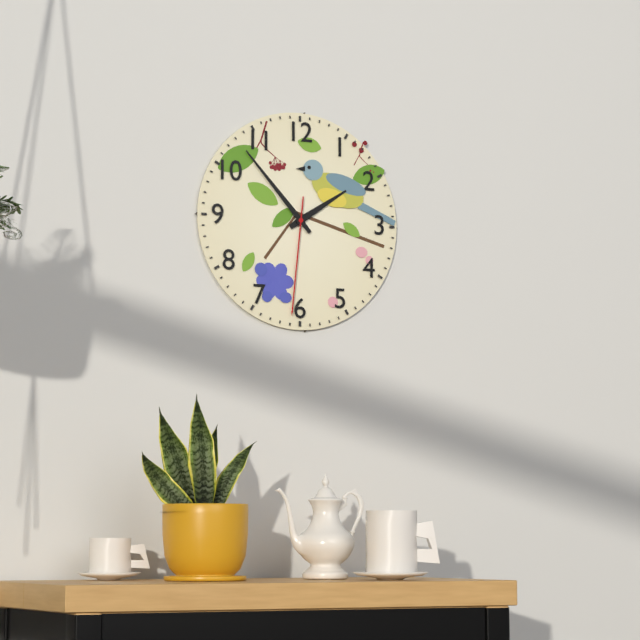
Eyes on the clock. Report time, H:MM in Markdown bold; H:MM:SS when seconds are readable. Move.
**1:53:31**
